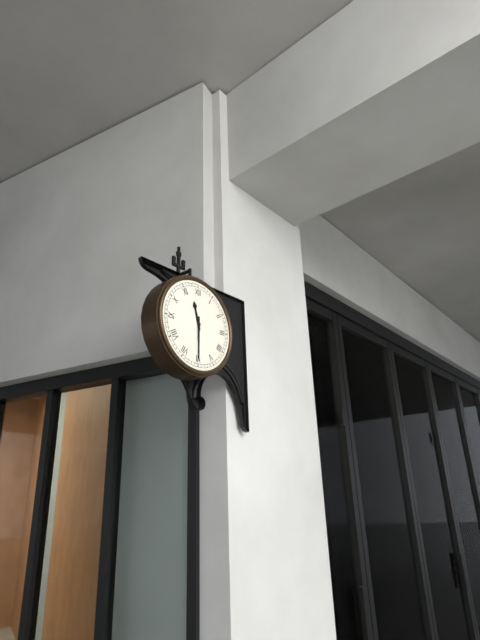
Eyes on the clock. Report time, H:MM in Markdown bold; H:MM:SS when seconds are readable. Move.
**11:30**
